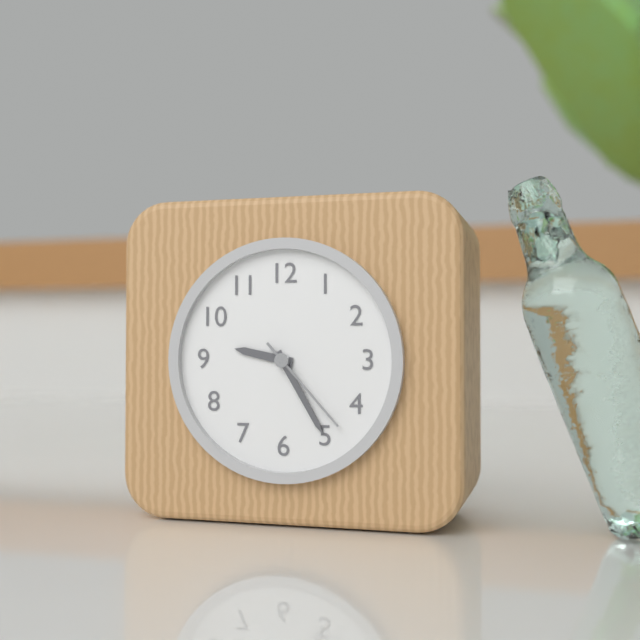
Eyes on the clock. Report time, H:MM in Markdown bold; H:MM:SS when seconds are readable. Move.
**9:25:23**
